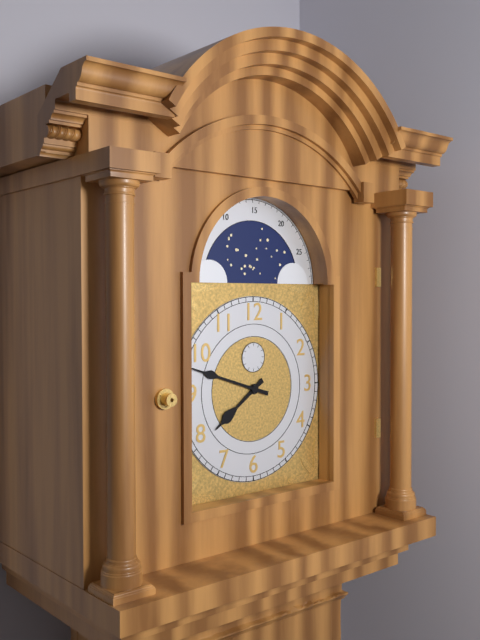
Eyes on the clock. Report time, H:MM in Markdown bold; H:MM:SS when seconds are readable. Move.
**7:48**
